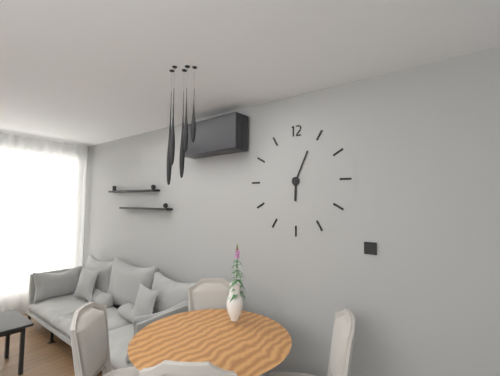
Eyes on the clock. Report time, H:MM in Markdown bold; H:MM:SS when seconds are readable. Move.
**6:04**
